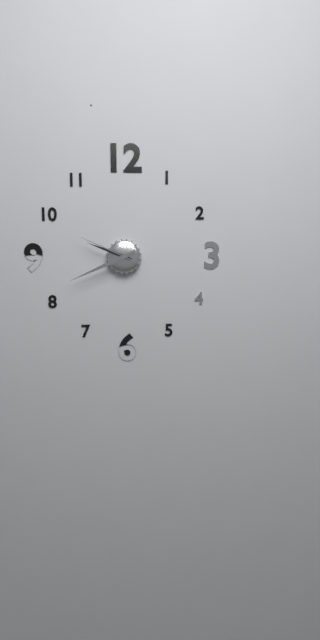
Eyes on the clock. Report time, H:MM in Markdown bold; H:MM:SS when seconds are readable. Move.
**9:41:49**
